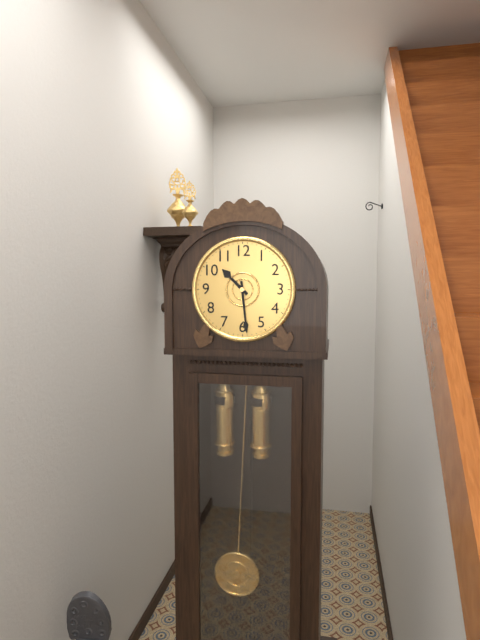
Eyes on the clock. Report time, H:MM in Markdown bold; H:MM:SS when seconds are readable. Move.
**10:29**
